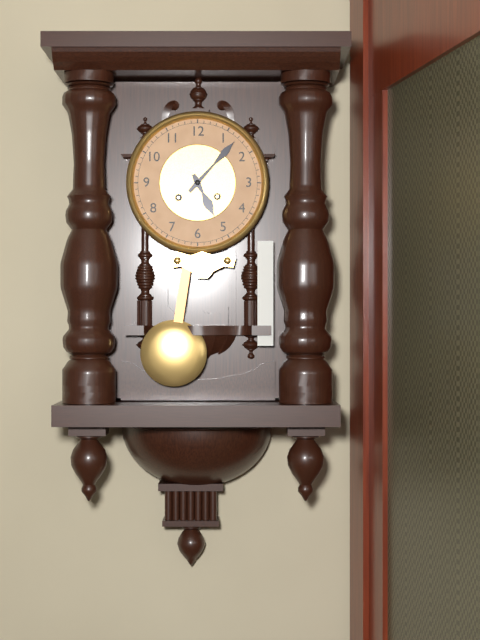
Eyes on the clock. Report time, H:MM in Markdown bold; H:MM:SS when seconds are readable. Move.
**5:07**
